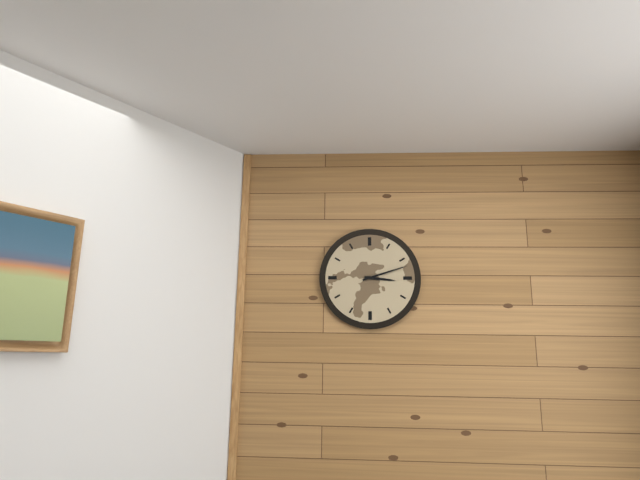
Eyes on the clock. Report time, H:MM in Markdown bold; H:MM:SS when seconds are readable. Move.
**3:12**
